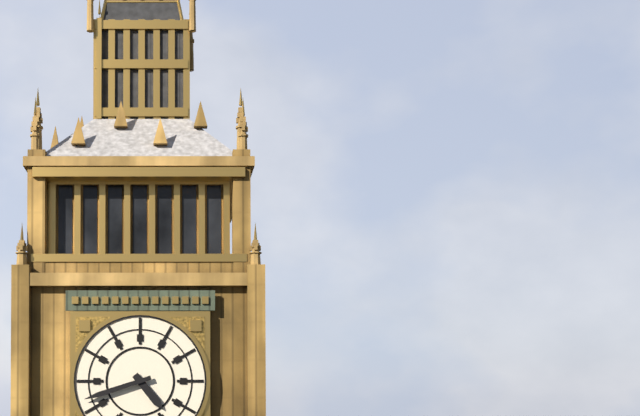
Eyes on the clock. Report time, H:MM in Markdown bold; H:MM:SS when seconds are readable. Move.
**4:42**
